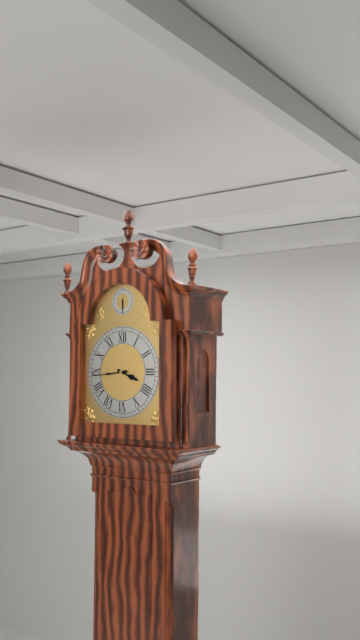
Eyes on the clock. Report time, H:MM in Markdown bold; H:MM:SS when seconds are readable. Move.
**3:44**
